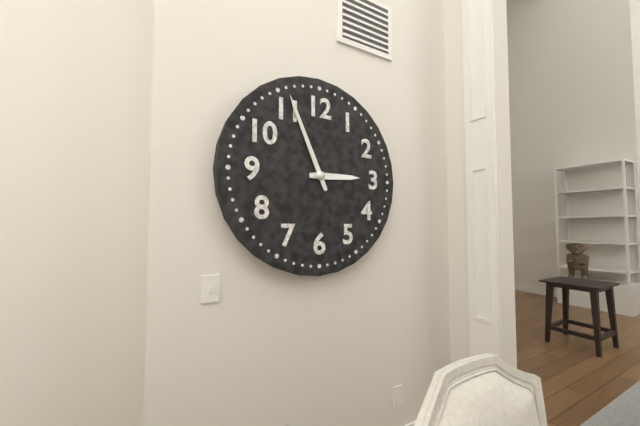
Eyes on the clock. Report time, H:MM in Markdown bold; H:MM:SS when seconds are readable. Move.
**2:56**
